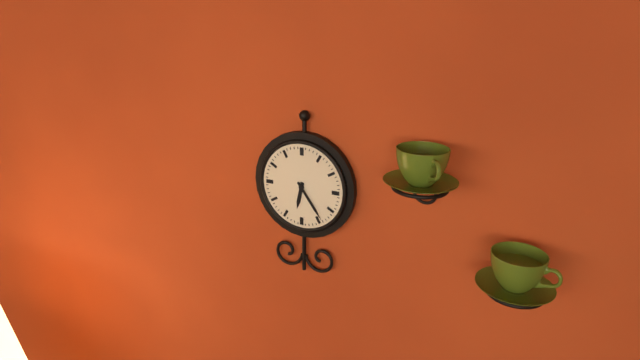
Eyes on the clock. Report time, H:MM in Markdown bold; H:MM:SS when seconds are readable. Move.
**6:24**
